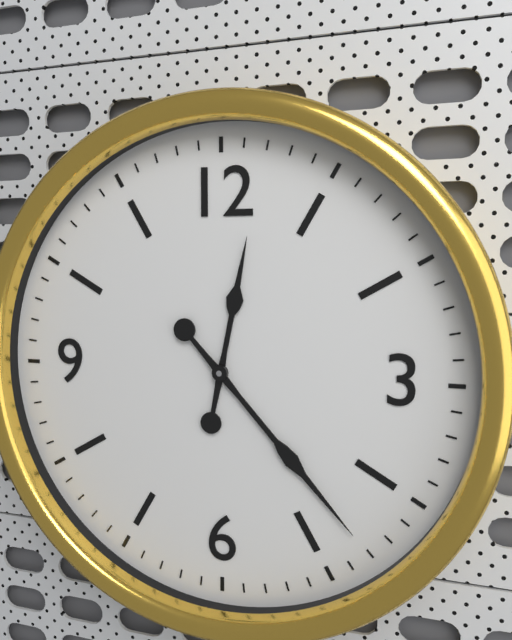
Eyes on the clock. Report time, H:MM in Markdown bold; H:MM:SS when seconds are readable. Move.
**12:23**
